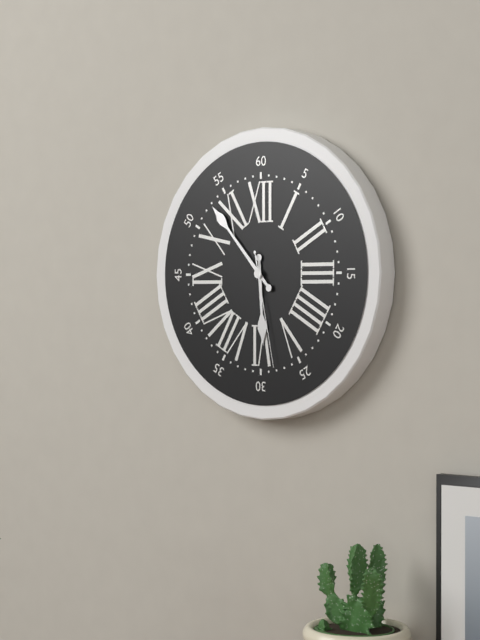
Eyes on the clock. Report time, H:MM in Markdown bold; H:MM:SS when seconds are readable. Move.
**5:53:28**
